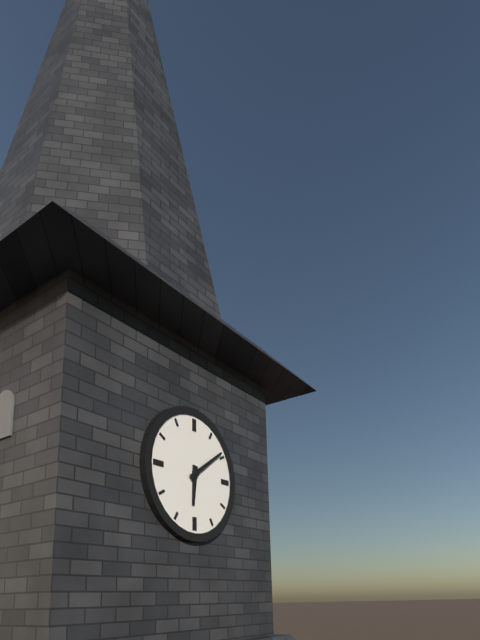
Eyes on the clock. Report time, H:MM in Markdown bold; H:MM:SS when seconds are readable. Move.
**6:09**
